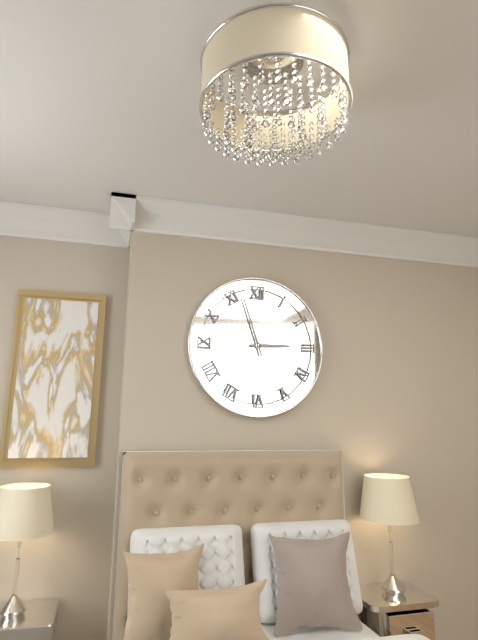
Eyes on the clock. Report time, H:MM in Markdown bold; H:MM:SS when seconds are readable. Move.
**2:57**
